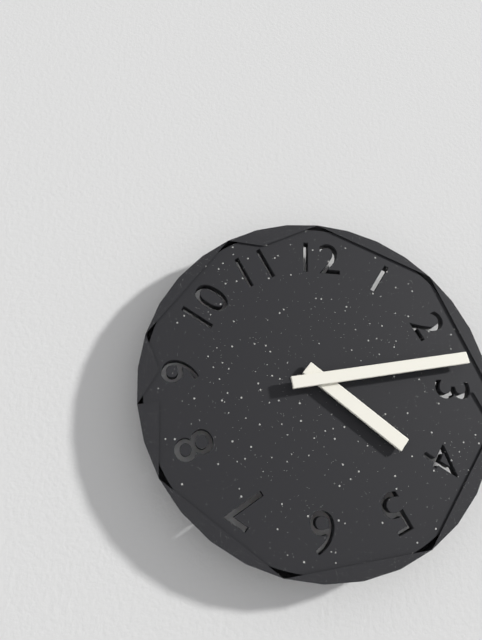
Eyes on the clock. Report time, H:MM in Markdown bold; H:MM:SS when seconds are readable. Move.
**4:13**
